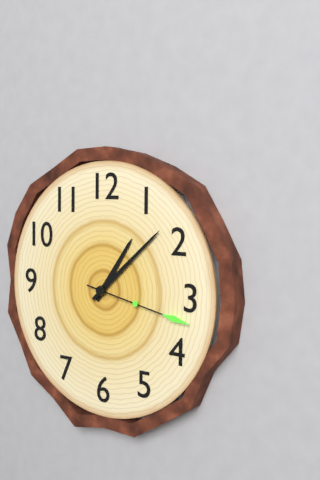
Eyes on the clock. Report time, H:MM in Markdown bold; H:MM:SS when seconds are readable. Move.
**1:08:17**
